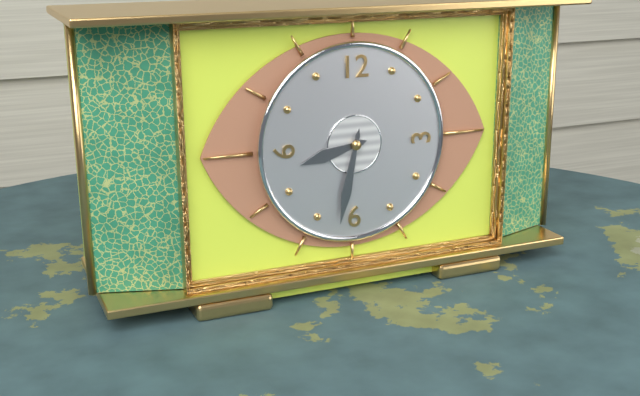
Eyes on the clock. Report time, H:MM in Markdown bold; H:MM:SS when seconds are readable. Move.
**8:32**
